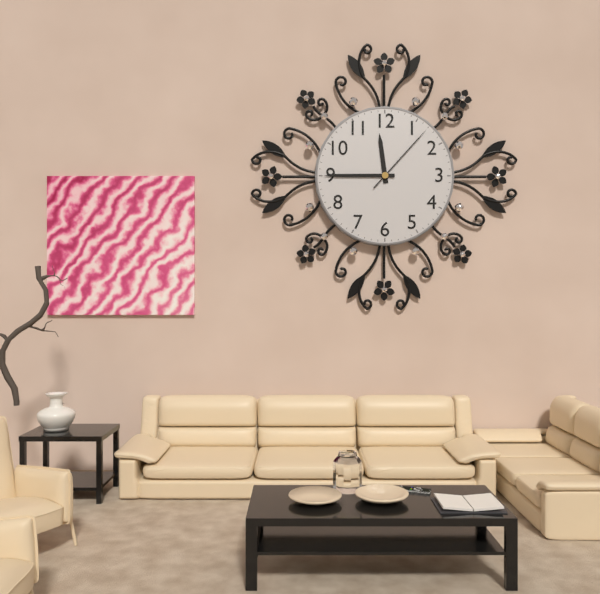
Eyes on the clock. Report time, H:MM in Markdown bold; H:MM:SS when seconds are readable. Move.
**11:45:07**
